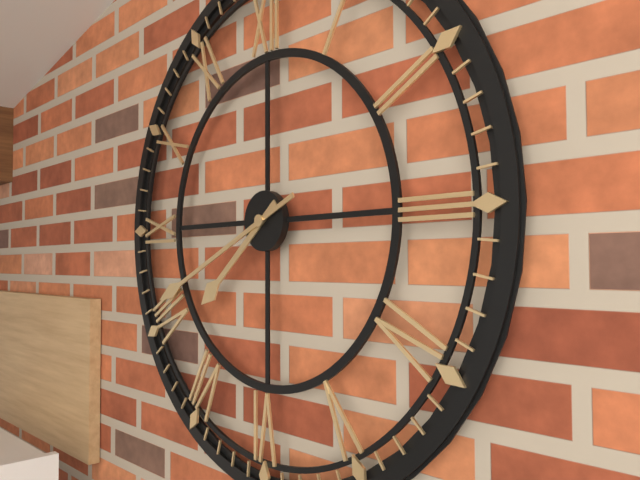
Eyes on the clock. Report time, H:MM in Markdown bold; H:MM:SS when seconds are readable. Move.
**7:41**
